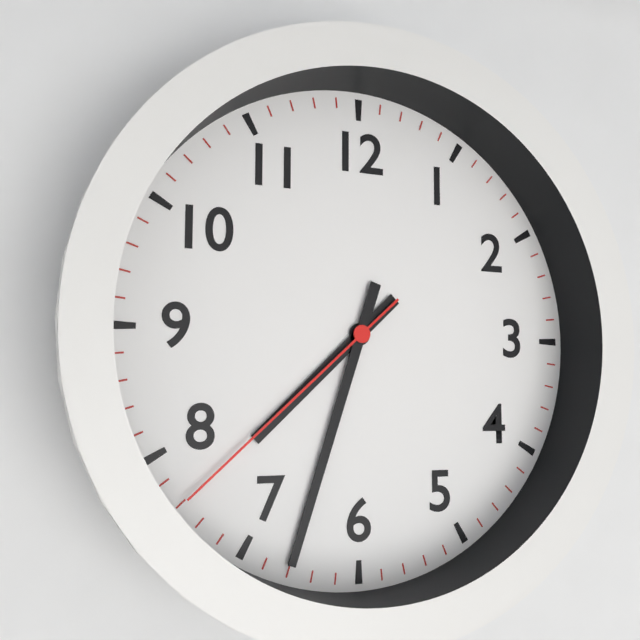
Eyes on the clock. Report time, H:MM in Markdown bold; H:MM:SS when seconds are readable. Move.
**7:33:38**
